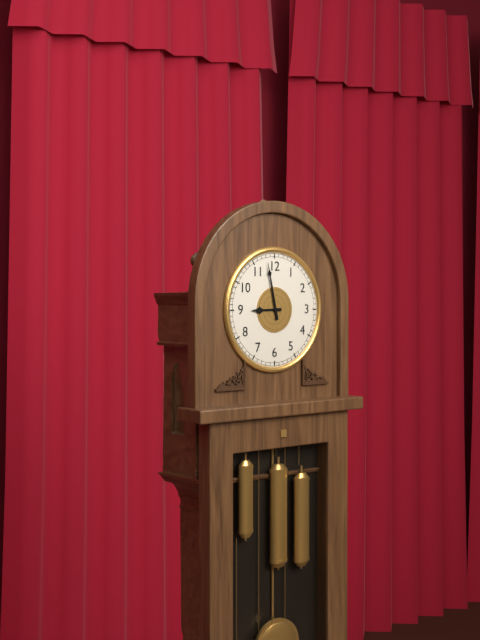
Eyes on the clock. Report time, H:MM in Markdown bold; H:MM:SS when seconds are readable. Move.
**8:58**
